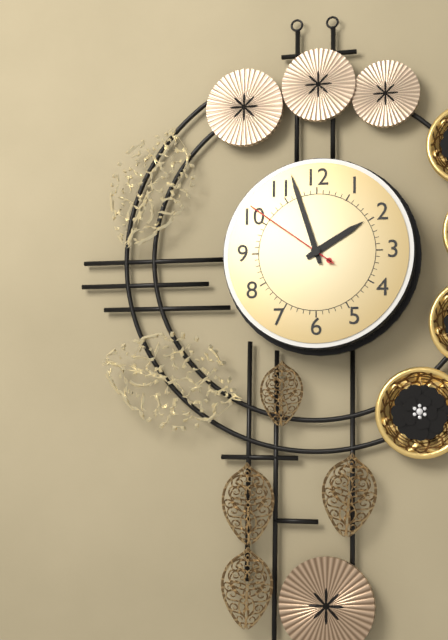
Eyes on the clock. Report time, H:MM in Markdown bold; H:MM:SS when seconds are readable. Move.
**1:57:51**
